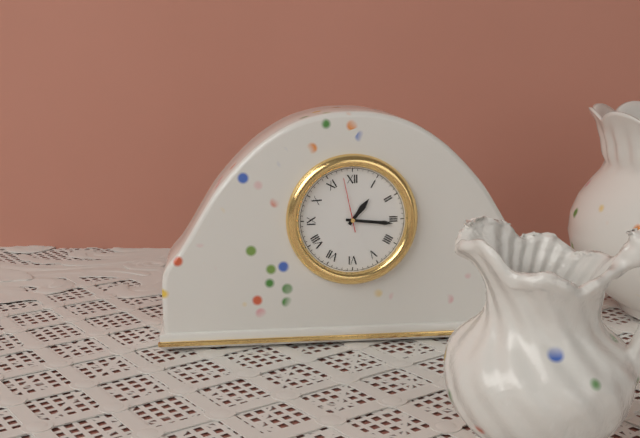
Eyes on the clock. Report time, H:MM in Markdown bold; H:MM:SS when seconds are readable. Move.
**1:16:58**
